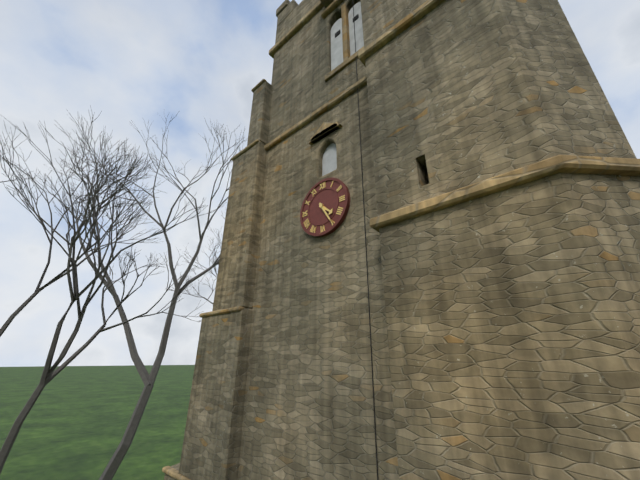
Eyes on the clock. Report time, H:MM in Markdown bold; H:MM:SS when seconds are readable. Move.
**4:25**
